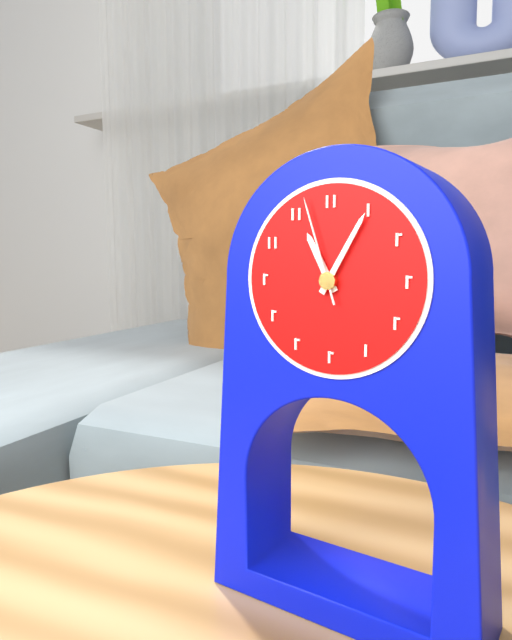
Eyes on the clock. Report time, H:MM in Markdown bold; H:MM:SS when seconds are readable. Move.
**11:05:57**
